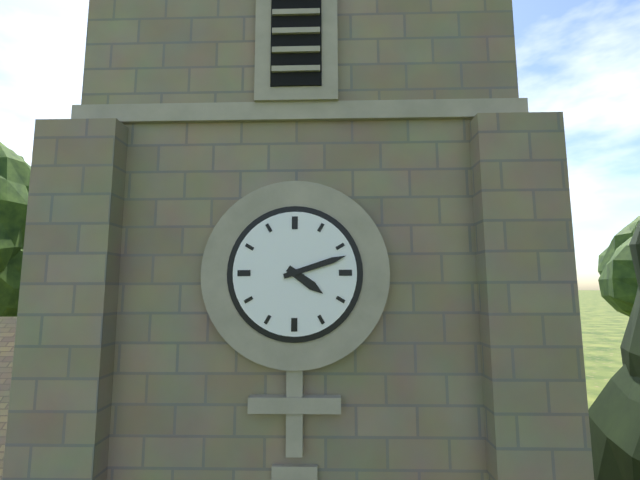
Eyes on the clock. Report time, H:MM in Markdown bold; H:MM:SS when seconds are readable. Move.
**4:12**
